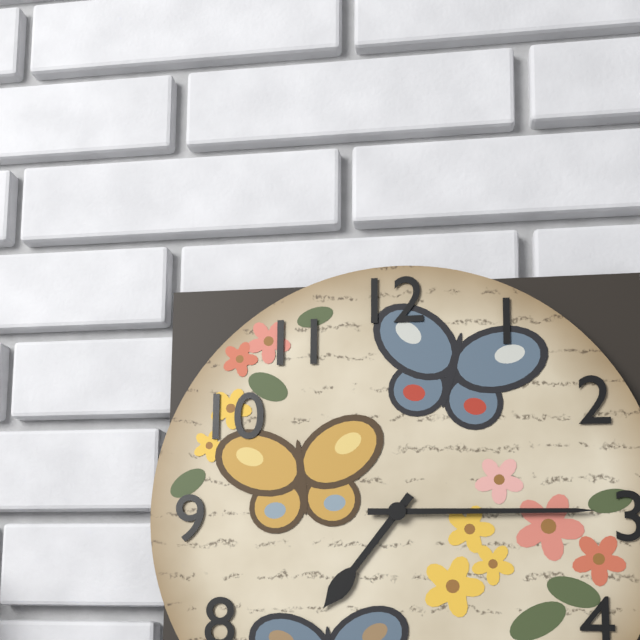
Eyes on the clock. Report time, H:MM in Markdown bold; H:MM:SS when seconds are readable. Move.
**7:15**
